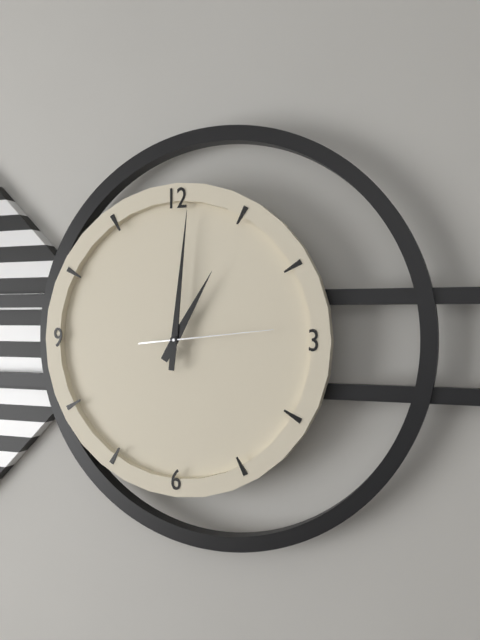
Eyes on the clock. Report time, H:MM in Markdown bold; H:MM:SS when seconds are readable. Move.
**1:01:14**
